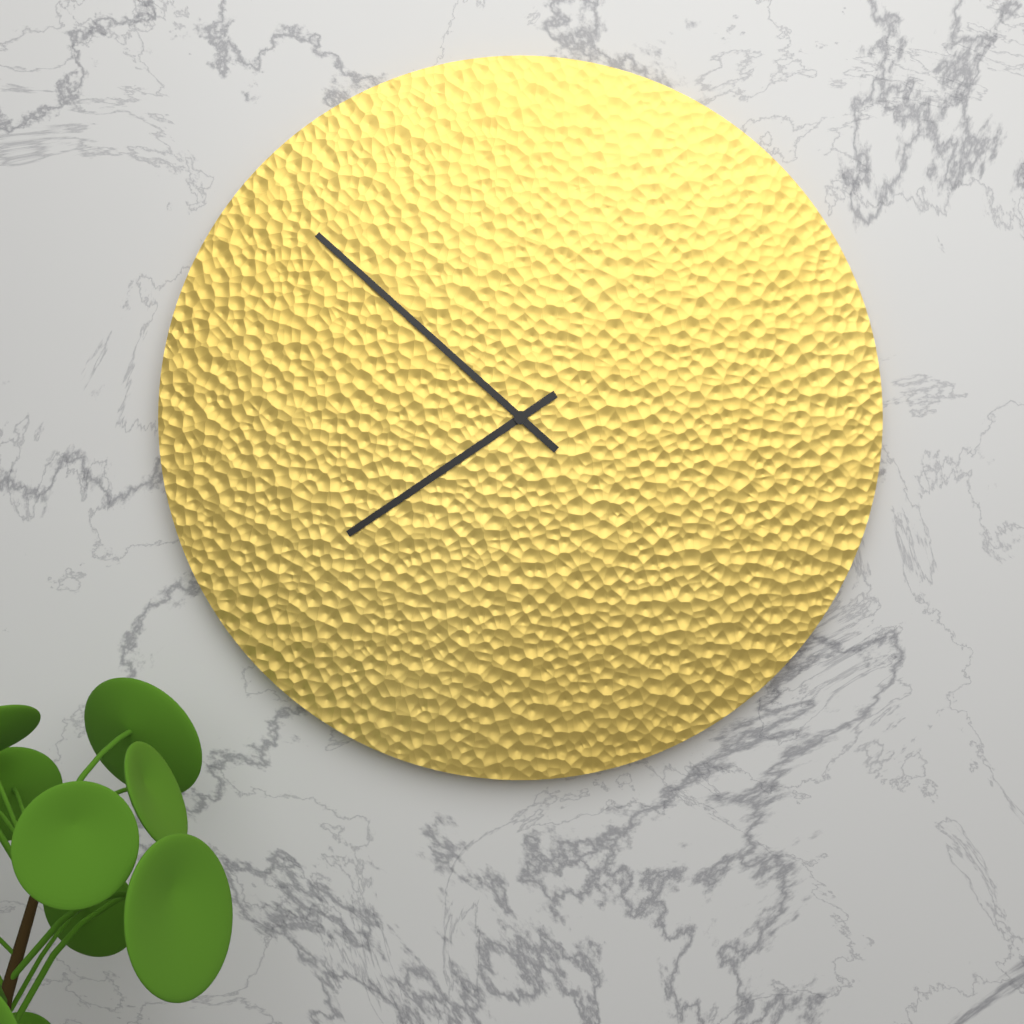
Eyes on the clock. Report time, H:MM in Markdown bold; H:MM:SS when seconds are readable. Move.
**7:52**
